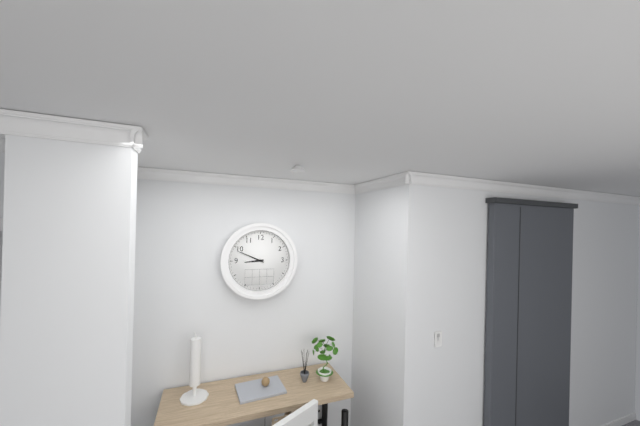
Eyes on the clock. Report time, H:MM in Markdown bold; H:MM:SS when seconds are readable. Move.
**8:49**
